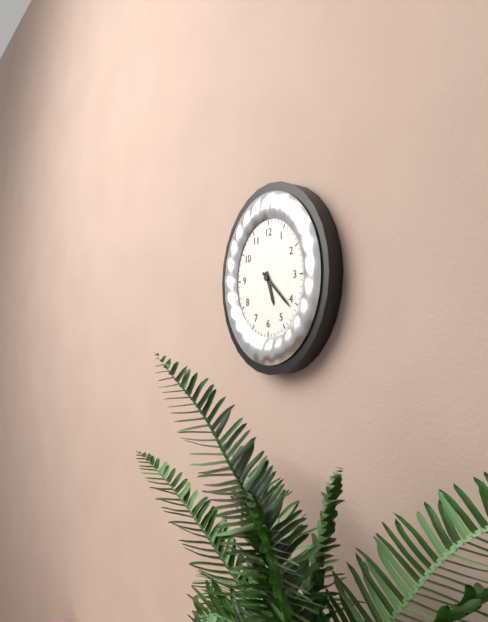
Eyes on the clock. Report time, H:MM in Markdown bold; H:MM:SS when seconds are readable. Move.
**5:22**
